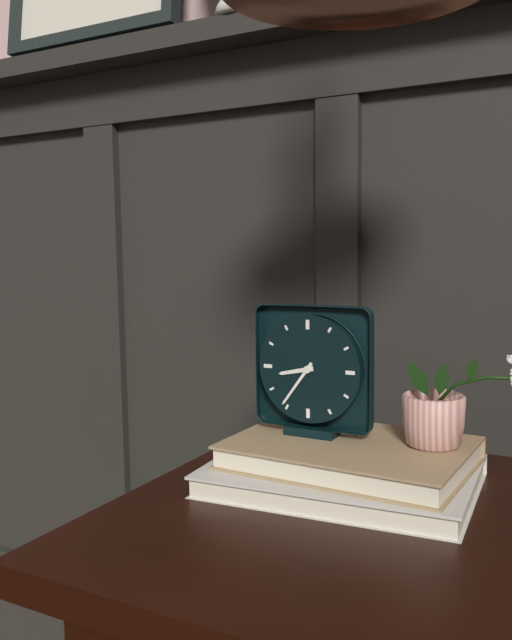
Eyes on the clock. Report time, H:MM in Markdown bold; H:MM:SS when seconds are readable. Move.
**8:36**
